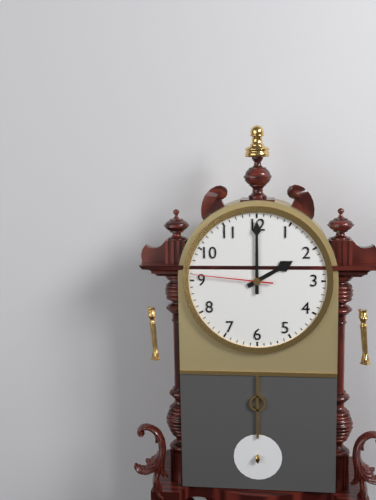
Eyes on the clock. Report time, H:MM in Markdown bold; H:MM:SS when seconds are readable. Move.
**2:00:46**
